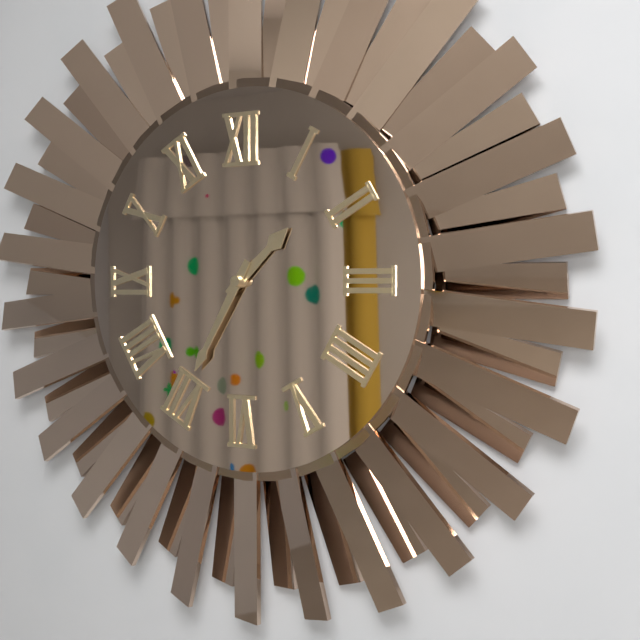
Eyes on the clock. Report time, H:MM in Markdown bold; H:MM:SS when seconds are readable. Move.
**1:35**
